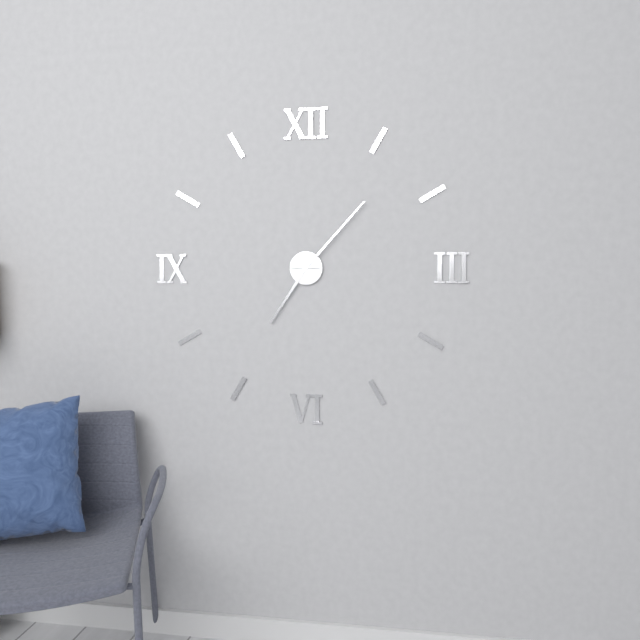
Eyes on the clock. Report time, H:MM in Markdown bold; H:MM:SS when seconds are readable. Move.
**7:07**
